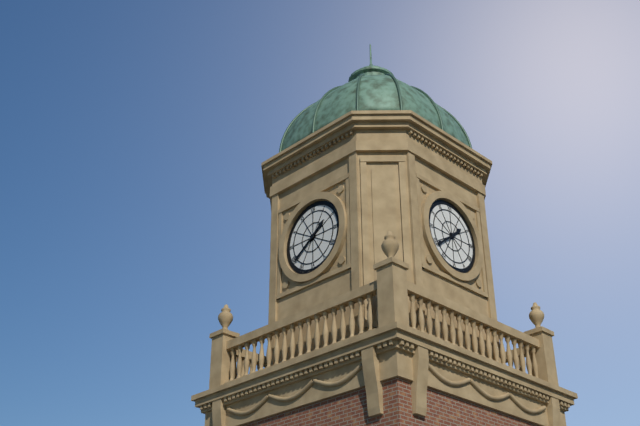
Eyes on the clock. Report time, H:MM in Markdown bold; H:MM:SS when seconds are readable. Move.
**1:39**
